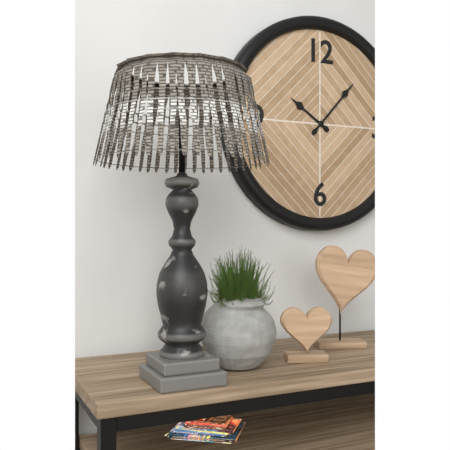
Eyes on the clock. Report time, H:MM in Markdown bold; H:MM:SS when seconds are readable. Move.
**10:07**
